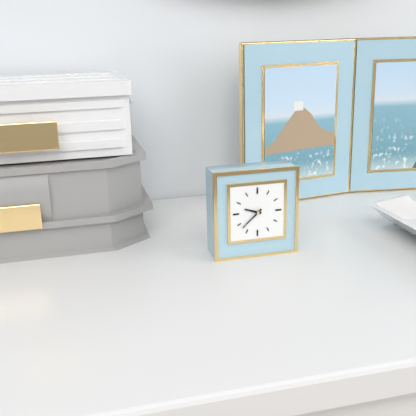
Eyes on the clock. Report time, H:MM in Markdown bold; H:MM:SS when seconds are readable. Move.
**9:38**
